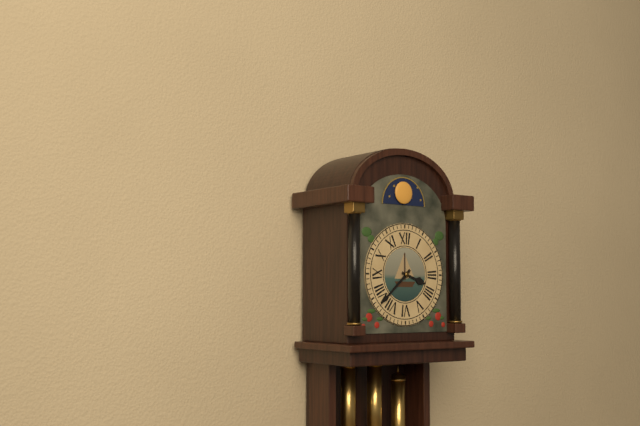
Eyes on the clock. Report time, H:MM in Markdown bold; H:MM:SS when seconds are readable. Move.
**3:38**
